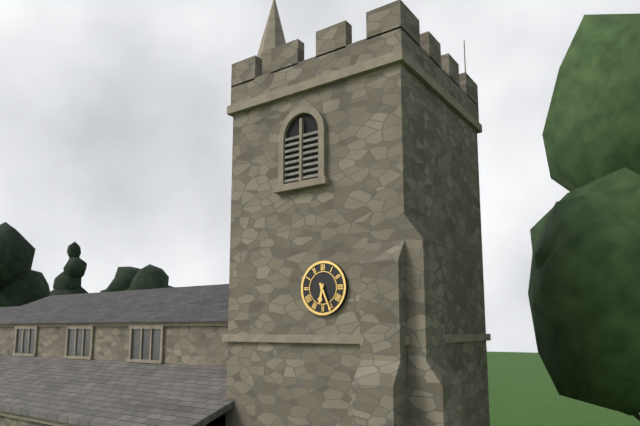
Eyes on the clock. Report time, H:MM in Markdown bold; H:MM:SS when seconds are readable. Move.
**6:26**
